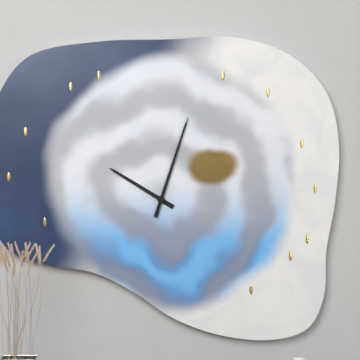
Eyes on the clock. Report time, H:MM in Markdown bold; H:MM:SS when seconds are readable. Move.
**10:03**
